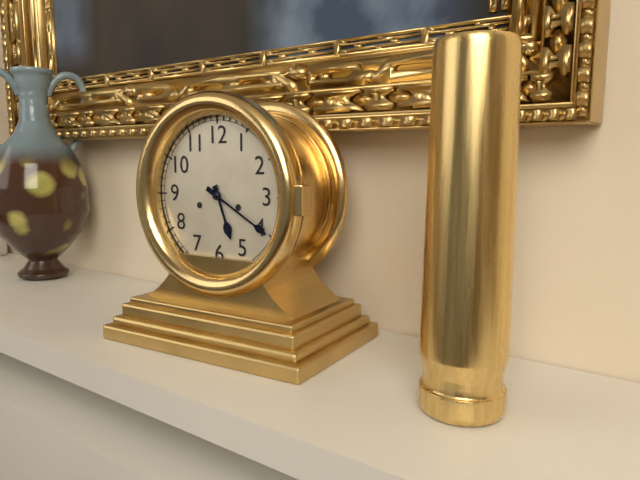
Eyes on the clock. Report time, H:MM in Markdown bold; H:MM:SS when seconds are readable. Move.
**5:20**
